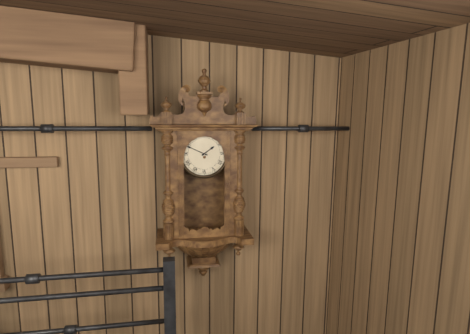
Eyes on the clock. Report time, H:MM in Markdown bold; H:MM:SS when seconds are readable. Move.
**1:49**
